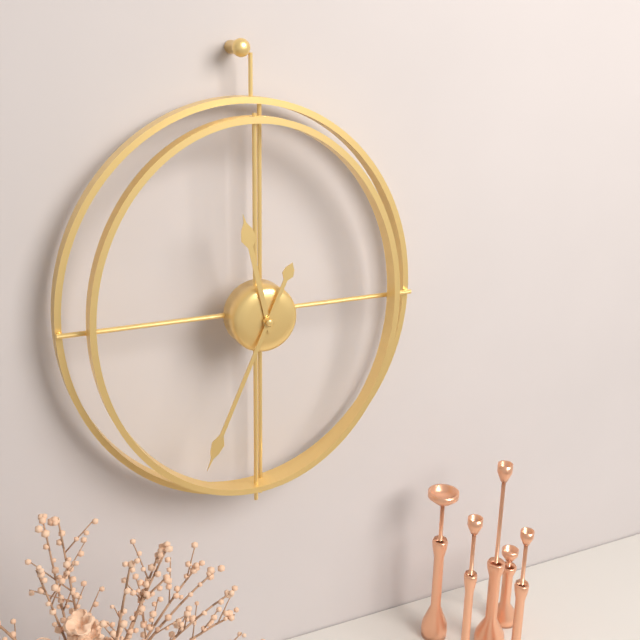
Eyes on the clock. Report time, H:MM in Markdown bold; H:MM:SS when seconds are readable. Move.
**11:34**
